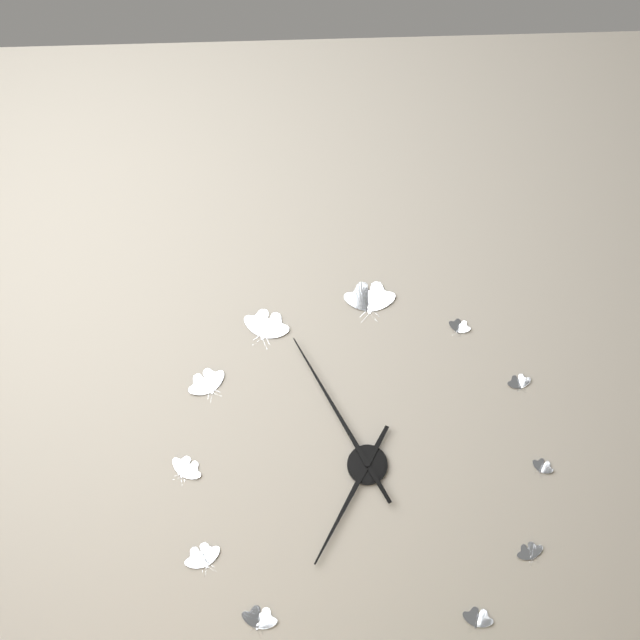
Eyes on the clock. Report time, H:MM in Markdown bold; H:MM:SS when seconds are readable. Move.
**6:55**
